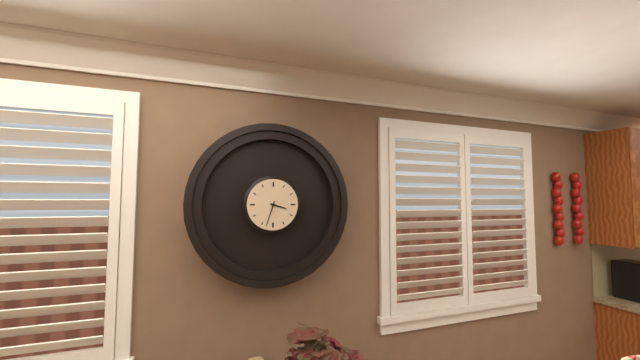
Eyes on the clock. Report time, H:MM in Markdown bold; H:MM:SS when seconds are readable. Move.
**3:33**
